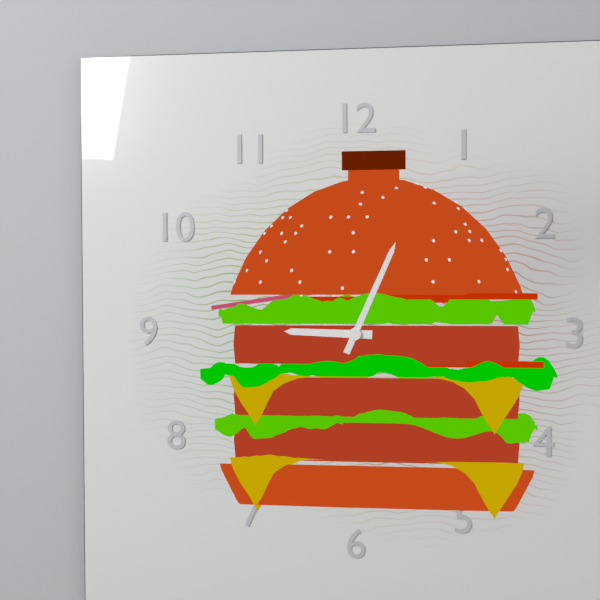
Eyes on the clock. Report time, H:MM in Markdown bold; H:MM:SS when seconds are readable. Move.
**9:04**
